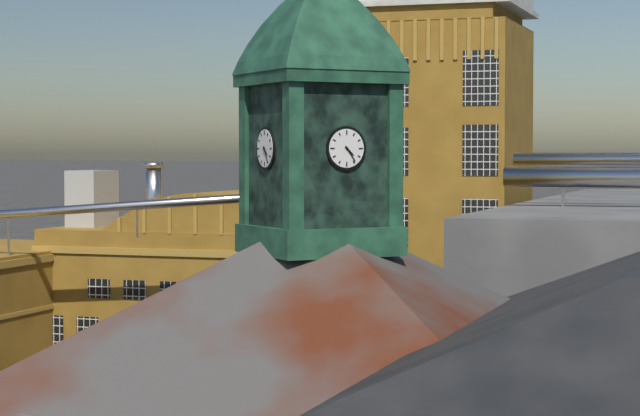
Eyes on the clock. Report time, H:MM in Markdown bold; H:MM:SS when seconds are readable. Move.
**4:24**
